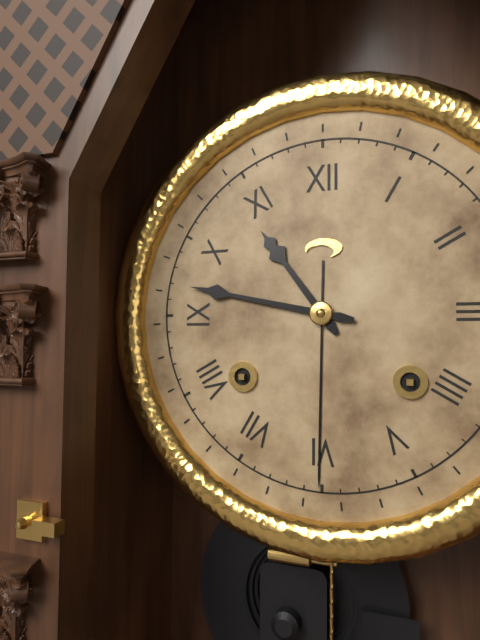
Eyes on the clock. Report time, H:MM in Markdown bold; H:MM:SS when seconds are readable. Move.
**10:47**
